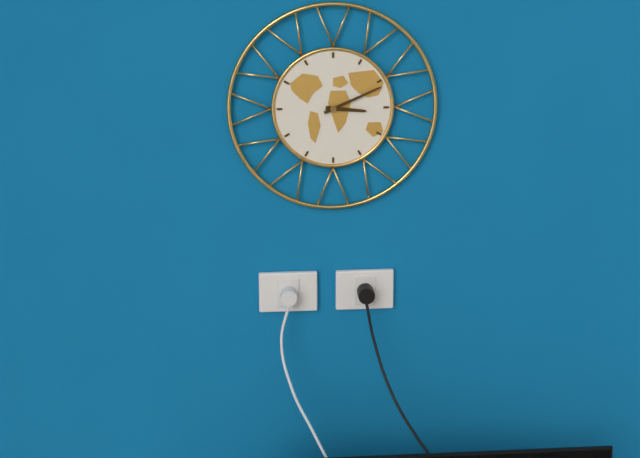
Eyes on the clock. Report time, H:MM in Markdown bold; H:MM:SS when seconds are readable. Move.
**3:11**
